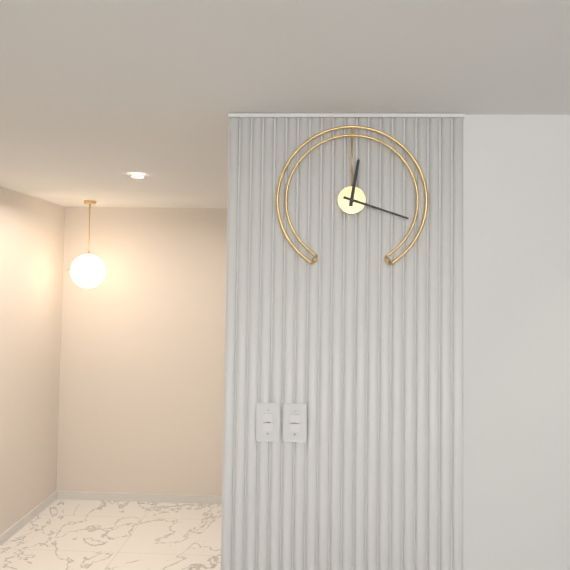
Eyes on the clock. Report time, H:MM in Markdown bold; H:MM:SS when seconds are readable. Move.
**12:18**
